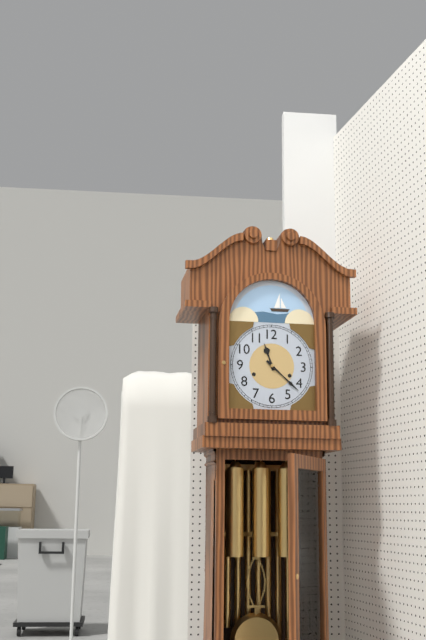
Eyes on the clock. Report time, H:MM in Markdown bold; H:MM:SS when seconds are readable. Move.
**11:22**
